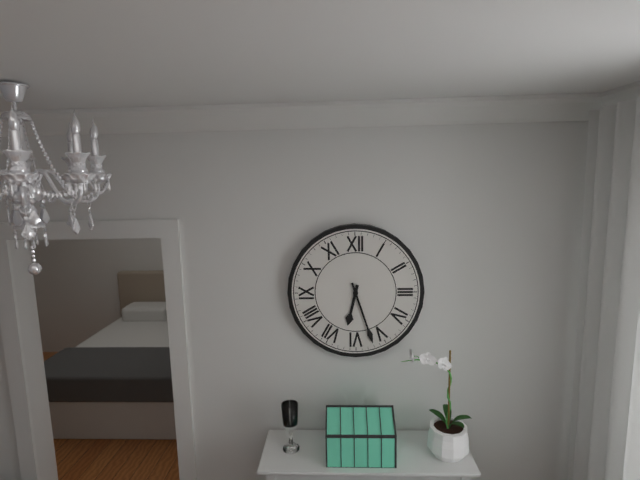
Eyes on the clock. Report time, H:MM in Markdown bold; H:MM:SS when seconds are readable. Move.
**6:27**
